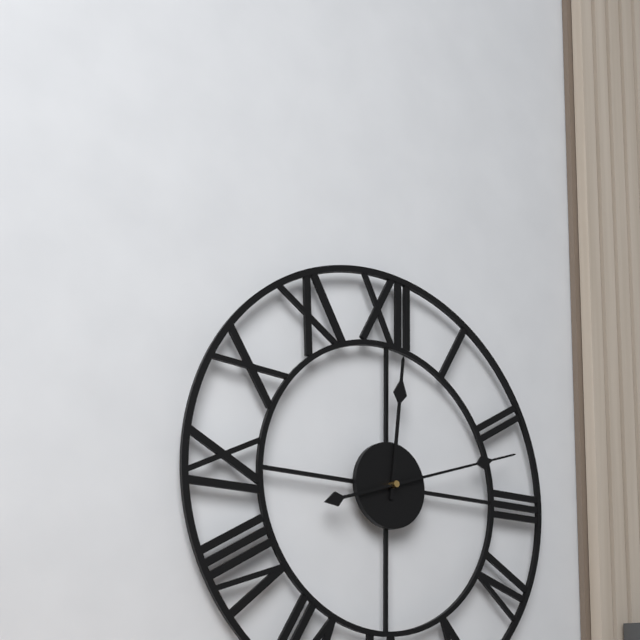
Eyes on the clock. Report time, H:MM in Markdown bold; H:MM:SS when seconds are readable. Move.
**12:12**
